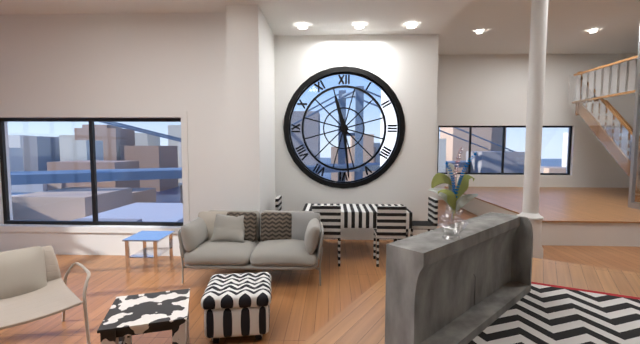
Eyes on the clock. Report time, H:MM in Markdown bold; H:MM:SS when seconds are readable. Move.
**11:29**
